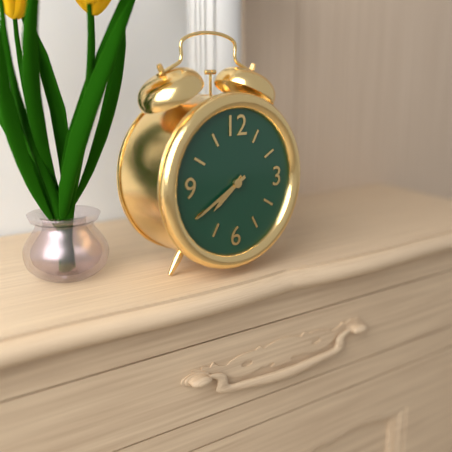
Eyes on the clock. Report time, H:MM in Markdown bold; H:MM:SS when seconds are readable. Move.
**7:40**
